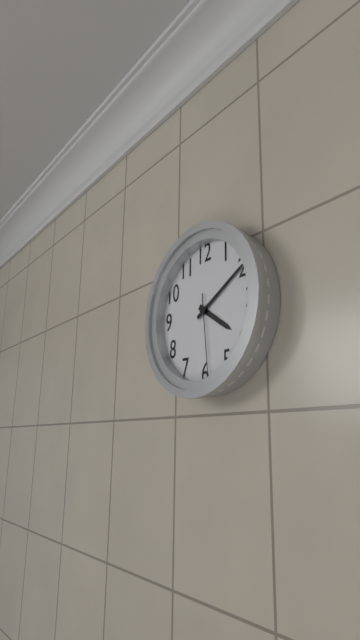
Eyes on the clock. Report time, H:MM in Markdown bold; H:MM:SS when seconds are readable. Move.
**4:10:29**
